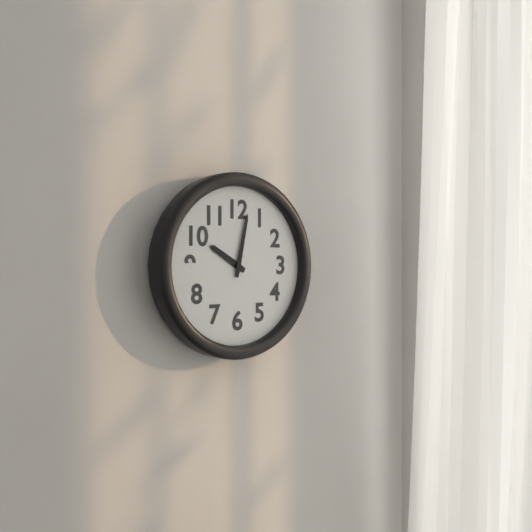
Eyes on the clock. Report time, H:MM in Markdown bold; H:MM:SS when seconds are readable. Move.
**10:02**
